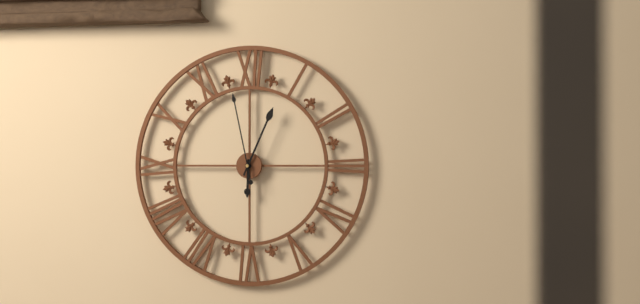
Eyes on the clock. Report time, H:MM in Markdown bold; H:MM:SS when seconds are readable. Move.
**6:04:58**
